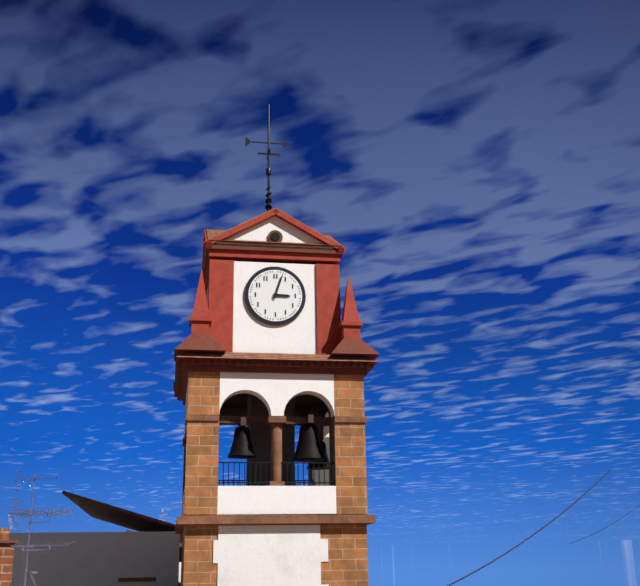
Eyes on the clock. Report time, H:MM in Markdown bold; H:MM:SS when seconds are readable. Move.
**3:03**
